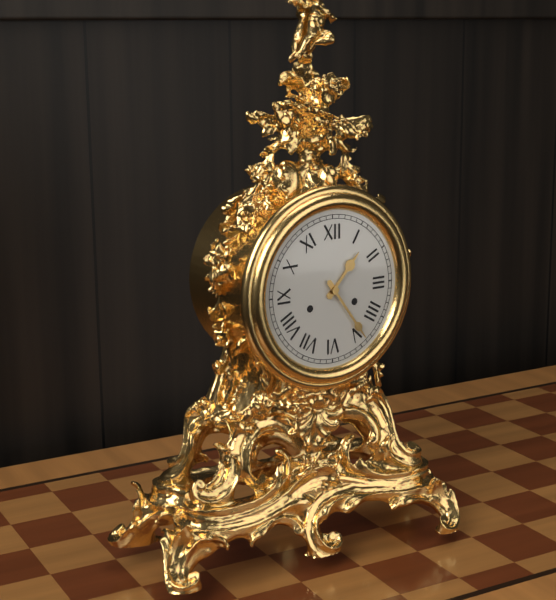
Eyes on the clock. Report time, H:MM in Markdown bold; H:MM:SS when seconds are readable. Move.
**1:24**
